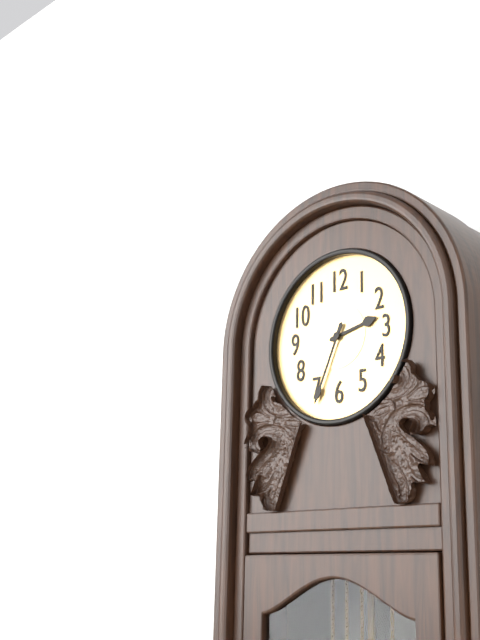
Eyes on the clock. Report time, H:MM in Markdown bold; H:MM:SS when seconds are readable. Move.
**2:34**
